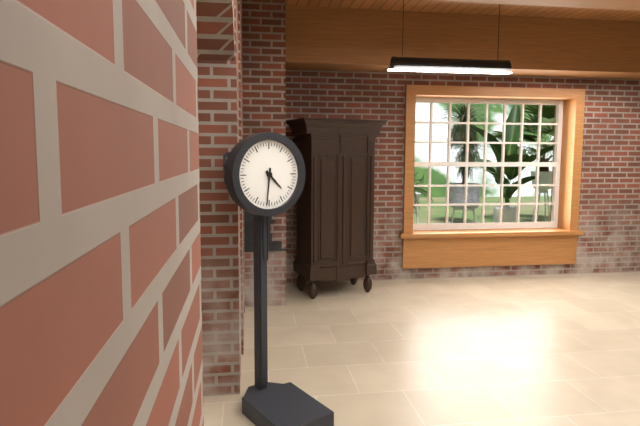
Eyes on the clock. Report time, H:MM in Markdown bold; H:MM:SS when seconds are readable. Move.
**4:31**
